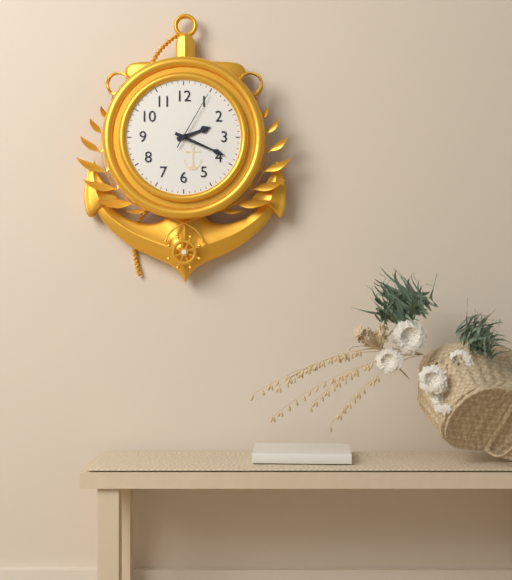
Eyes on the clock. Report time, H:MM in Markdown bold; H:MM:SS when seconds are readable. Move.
**2:19:05**
